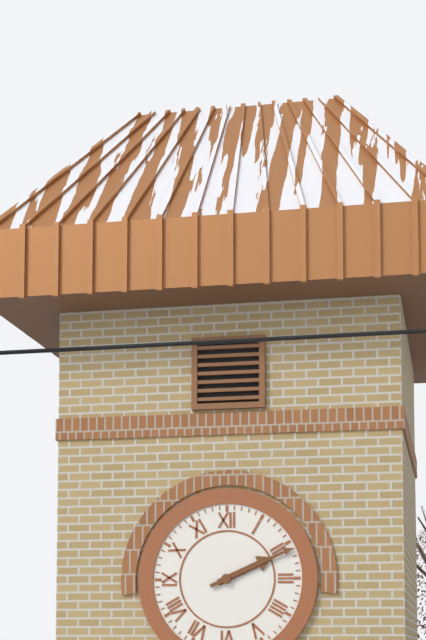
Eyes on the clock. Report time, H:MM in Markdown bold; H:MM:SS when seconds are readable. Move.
**2:11**
